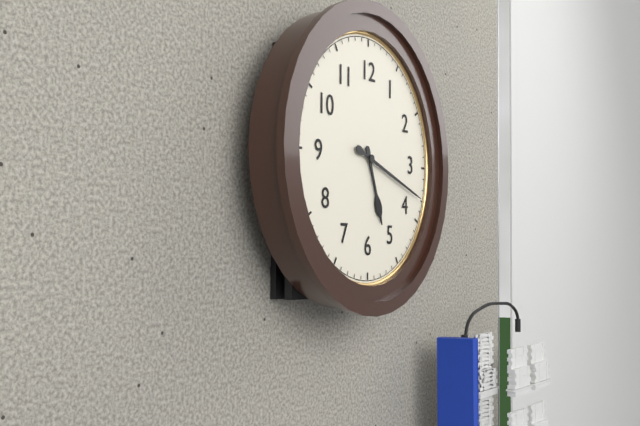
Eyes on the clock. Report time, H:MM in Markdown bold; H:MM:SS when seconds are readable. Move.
**5:18**
